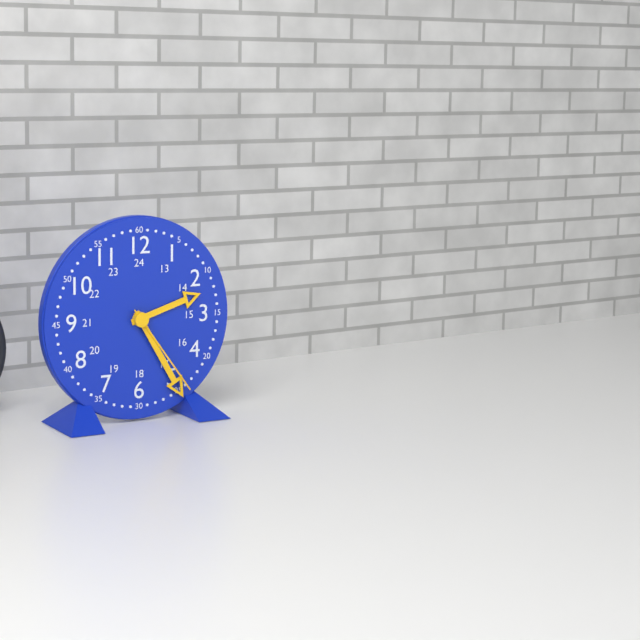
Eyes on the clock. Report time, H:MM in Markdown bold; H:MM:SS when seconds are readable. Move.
**2:25:24**
